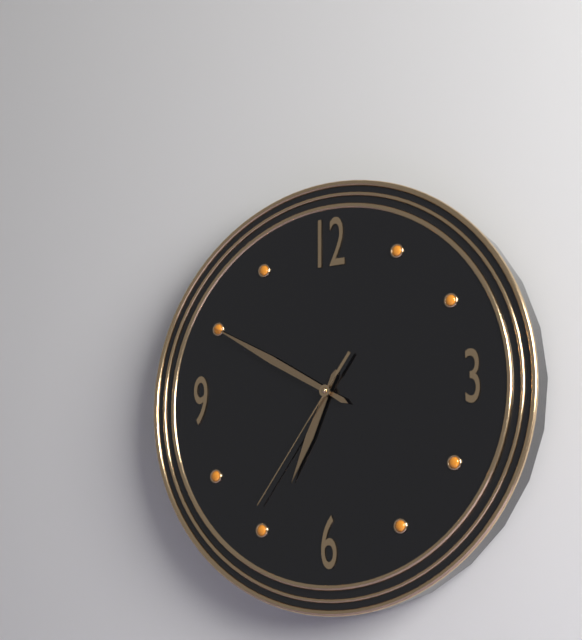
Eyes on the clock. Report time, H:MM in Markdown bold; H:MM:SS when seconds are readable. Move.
**6:50:36**
